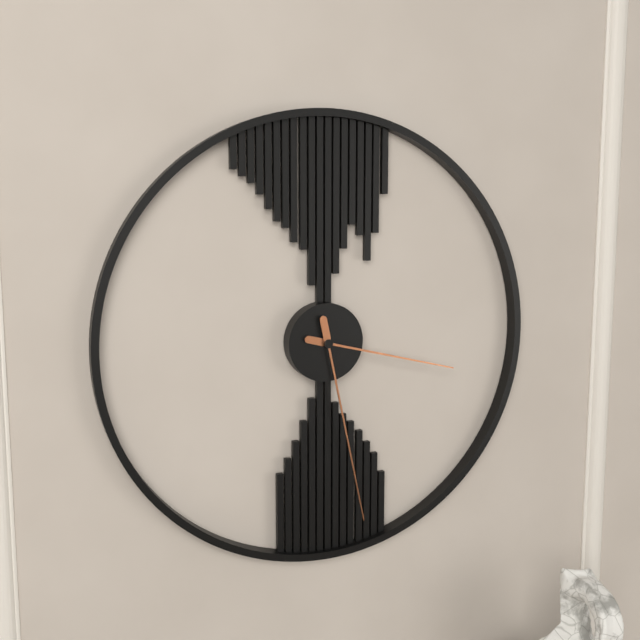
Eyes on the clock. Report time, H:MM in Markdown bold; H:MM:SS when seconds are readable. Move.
**3:28**
